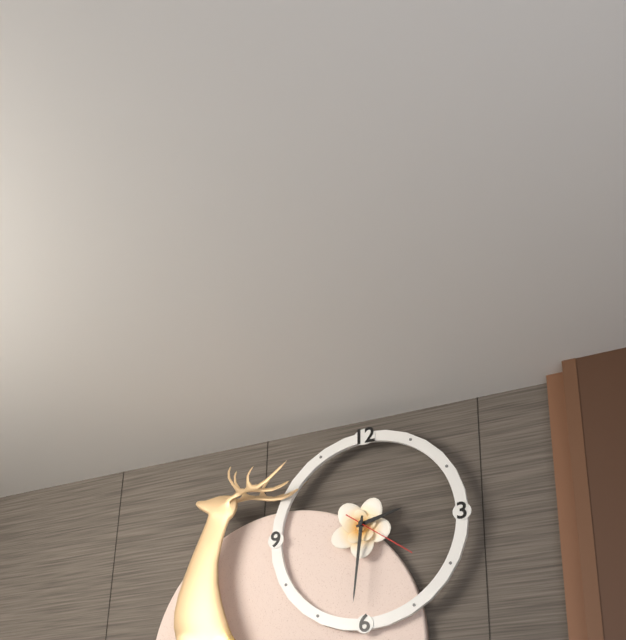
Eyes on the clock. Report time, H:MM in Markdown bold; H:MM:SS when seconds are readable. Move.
**2:31:21**
